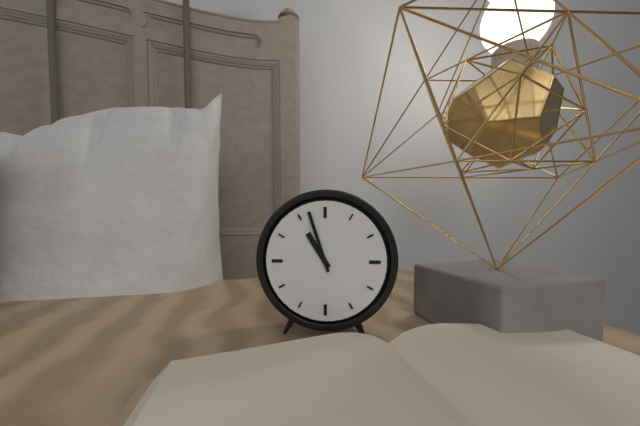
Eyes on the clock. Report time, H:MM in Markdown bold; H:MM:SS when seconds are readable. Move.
**10:57**
